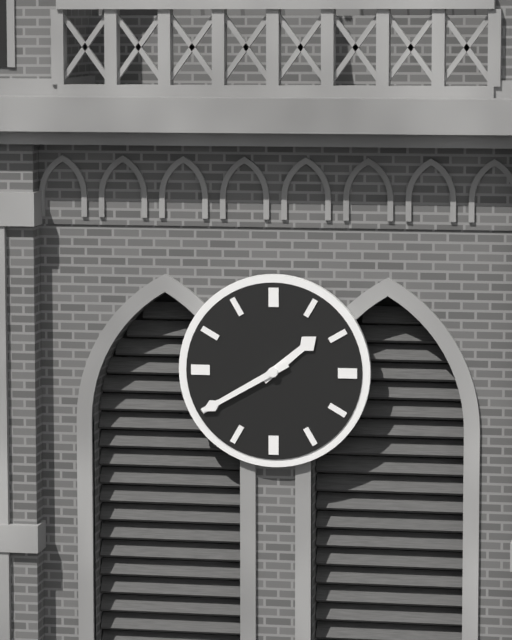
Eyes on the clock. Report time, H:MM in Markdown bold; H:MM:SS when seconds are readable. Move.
**1:40**
